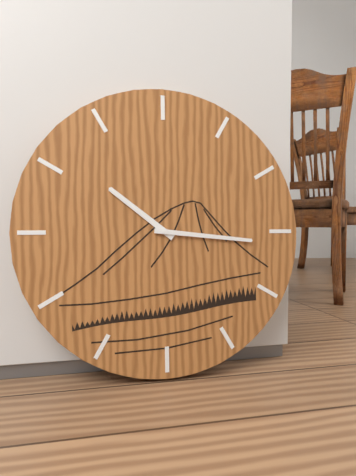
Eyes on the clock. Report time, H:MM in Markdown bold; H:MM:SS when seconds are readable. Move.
**10:16**
